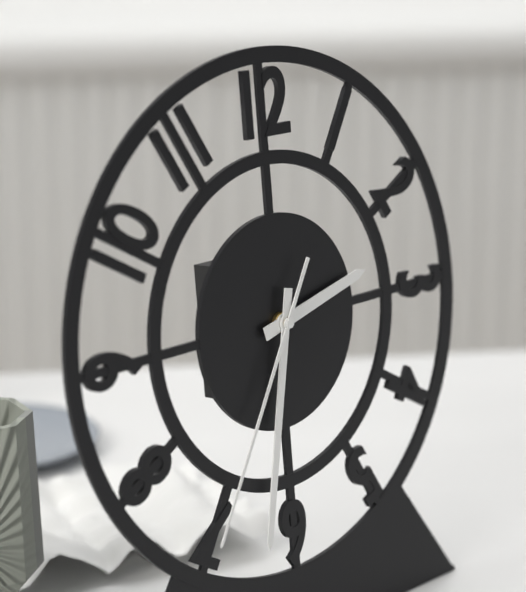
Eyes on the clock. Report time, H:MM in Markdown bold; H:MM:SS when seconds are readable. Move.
**2:32:35**
